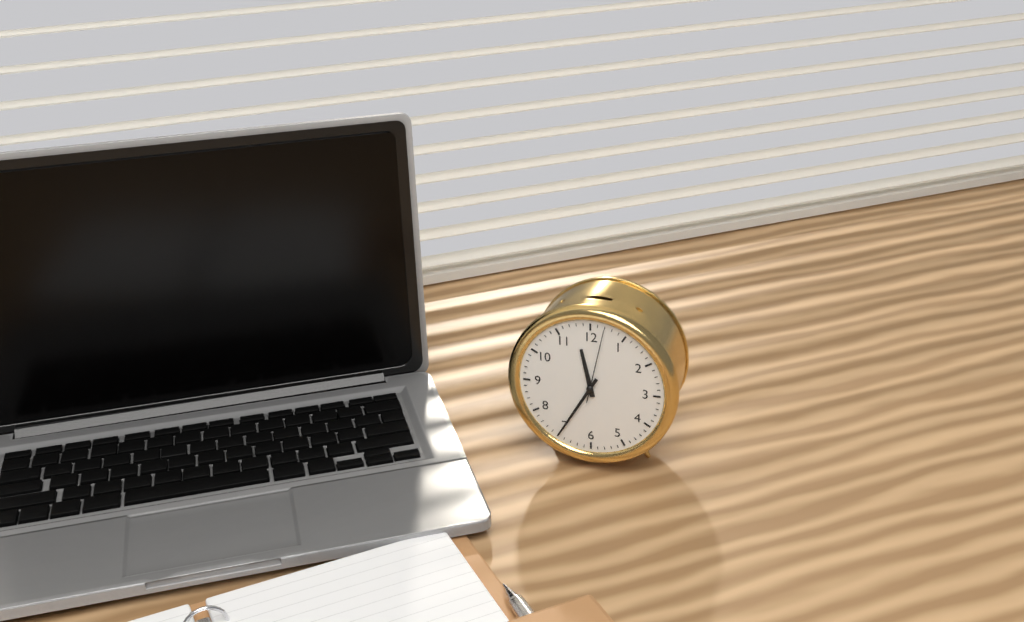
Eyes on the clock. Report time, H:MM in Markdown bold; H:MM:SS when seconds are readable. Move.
**11:35:02**
